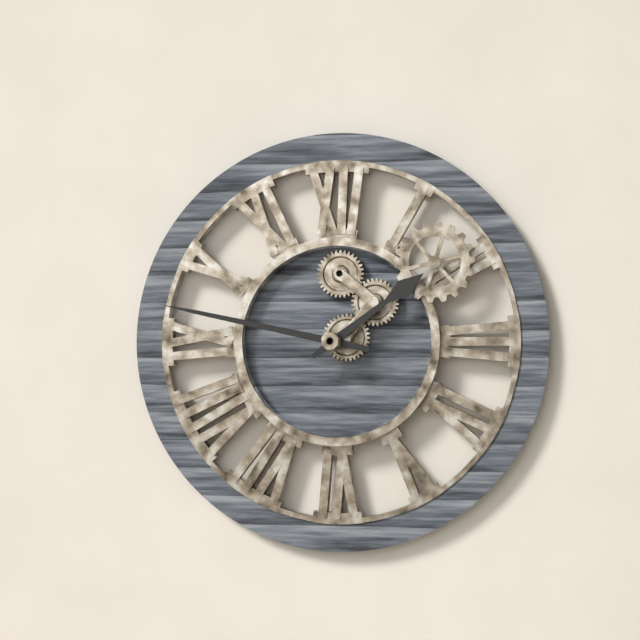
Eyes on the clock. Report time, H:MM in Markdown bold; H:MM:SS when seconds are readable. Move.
**1:47**
